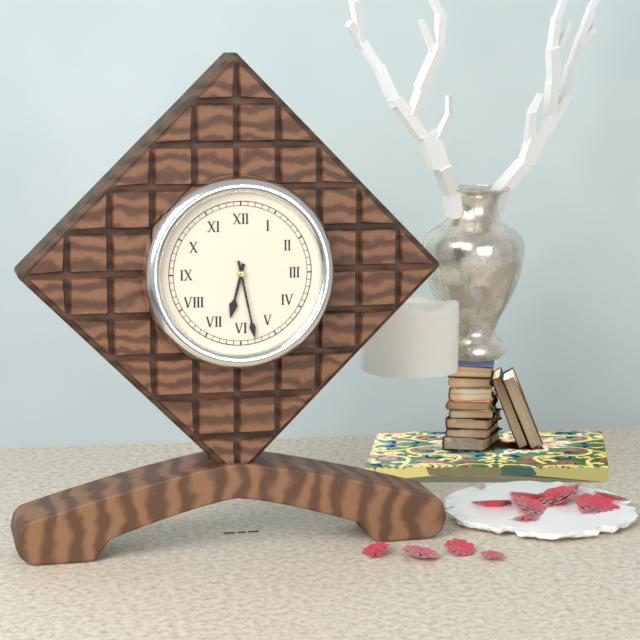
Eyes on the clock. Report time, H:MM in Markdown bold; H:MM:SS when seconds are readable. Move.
**6:28**
